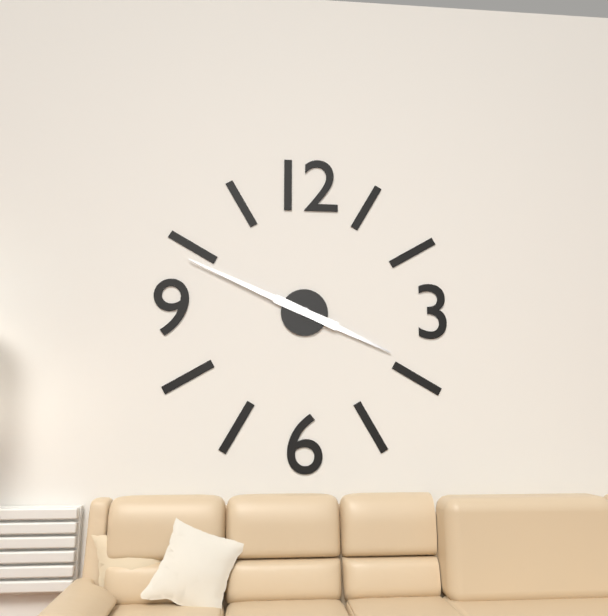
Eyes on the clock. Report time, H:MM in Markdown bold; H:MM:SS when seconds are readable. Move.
**3:49**
